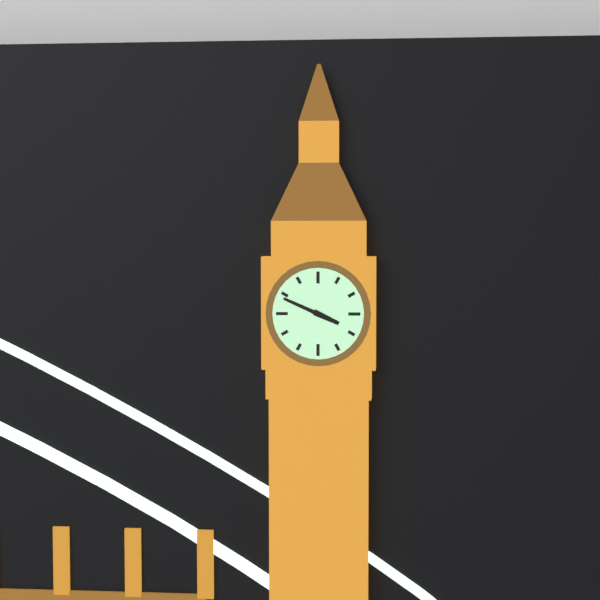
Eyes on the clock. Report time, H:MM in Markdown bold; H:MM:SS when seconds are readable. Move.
**3:49**
